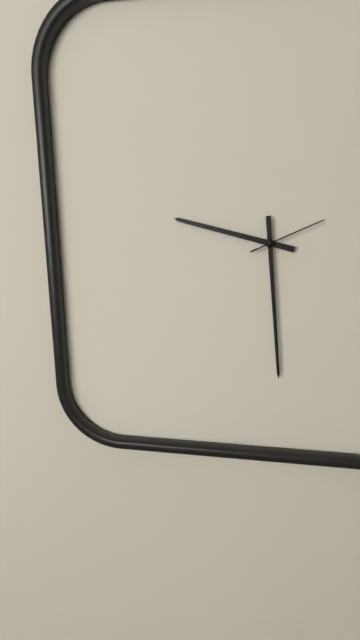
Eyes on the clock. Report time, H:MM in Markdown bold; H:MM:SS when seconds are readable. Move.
**9:29:11**
